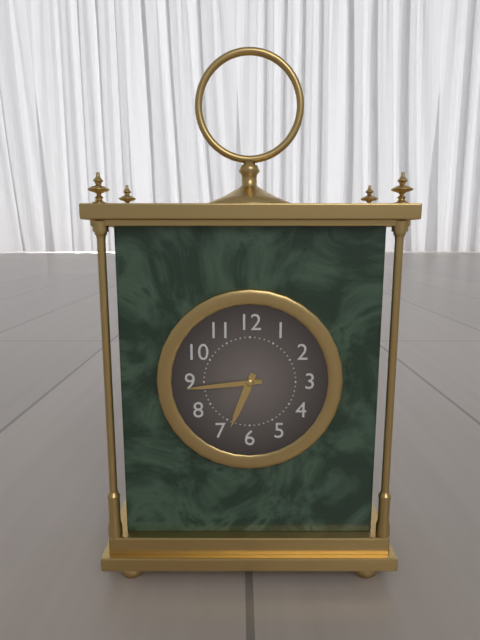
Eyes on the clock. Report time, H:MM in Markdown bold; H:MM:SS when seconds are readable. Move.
**6:44**
